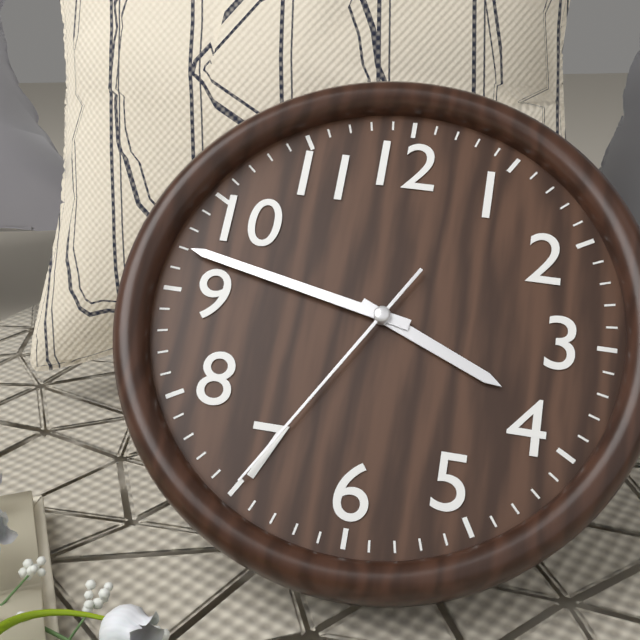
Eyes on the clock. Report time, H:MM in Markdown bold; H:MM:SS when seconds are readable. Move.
**3:47:35**
